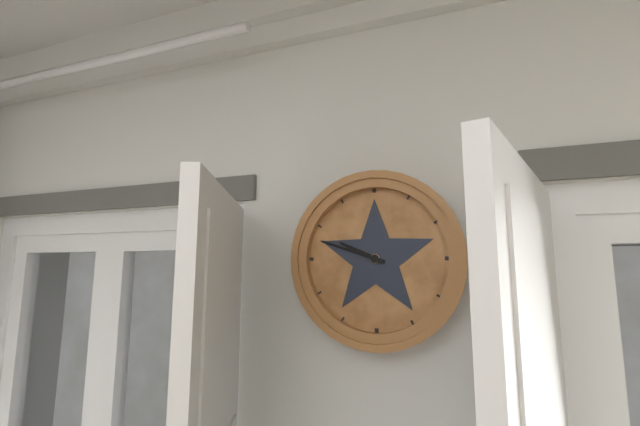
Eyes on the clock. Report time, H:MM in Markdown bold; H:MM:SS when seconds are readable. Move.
**9:48**
